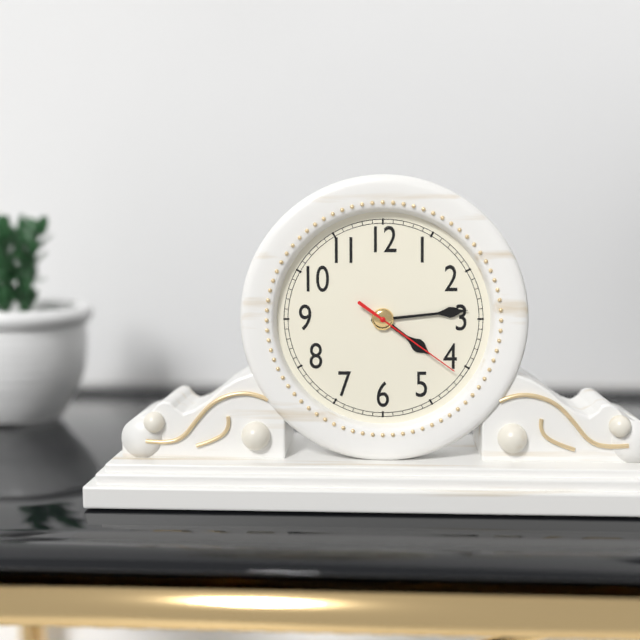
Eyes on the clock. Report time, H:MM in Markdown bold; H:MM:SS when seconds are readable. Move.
**4:14:21**
